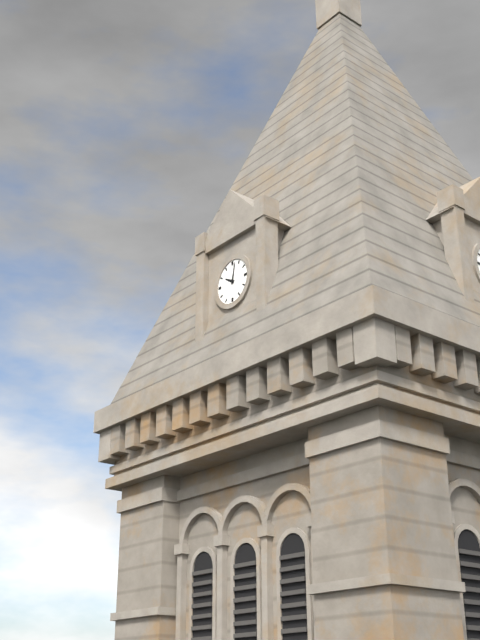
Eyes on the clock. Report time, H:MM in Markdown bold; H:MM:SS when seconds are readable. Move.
**10:02**
